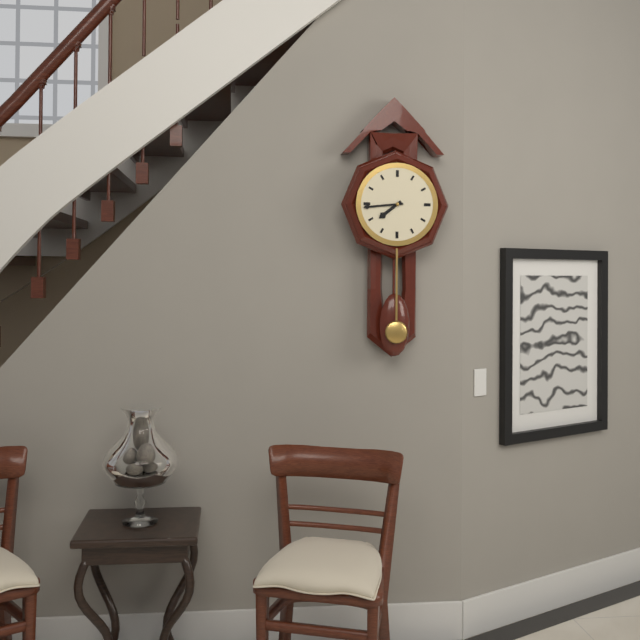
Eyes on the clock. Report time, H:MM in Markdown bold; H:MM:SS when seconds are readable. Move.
**7:44**
